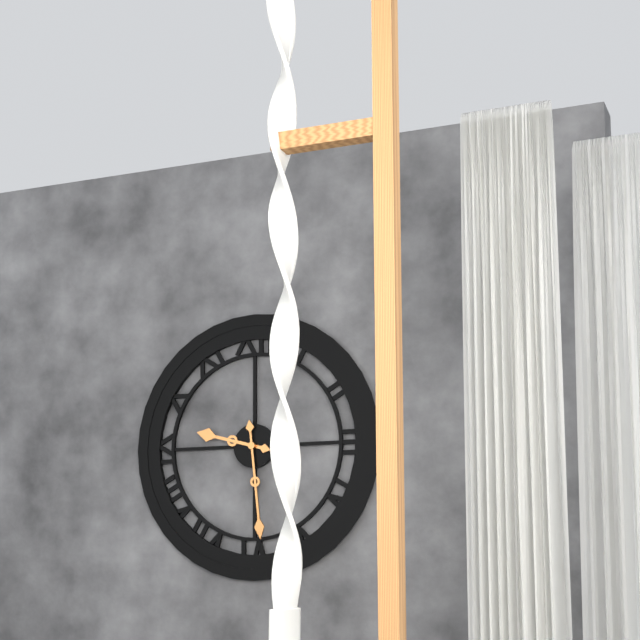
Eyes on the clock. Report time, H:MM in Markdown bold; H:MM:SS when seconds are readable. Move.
**9:29**
